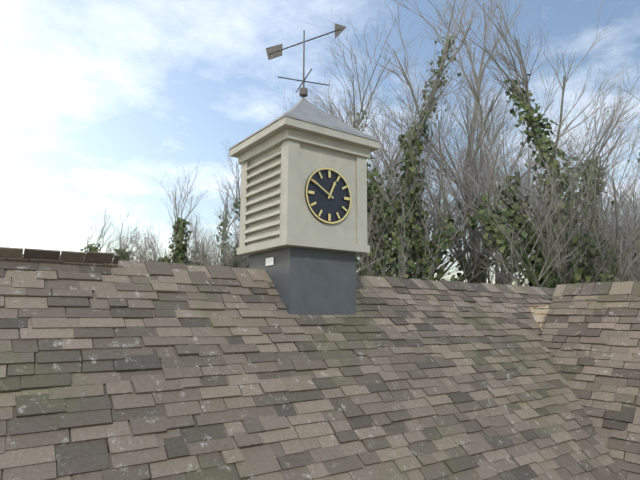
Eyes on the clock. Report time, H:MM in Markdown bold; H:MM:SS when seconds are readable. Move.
**12:50**
